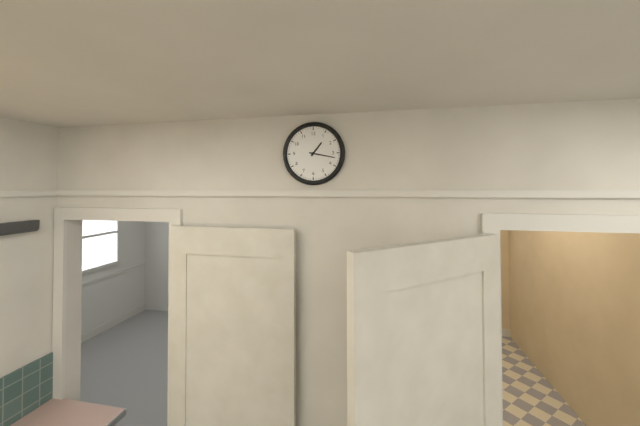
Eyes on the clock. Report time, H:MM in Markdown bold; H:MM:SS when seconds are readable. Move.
**1:17**
